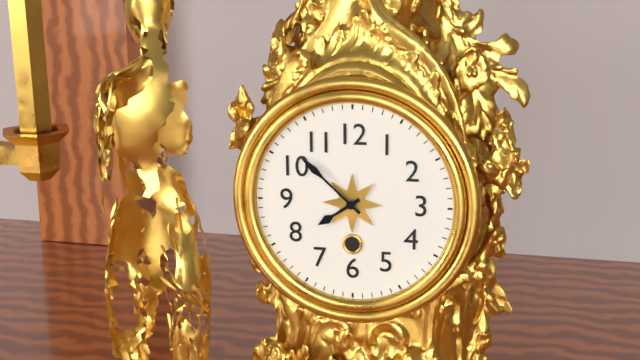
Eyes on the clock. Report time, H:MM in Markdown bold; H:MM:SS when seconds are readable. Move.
**7:52**
